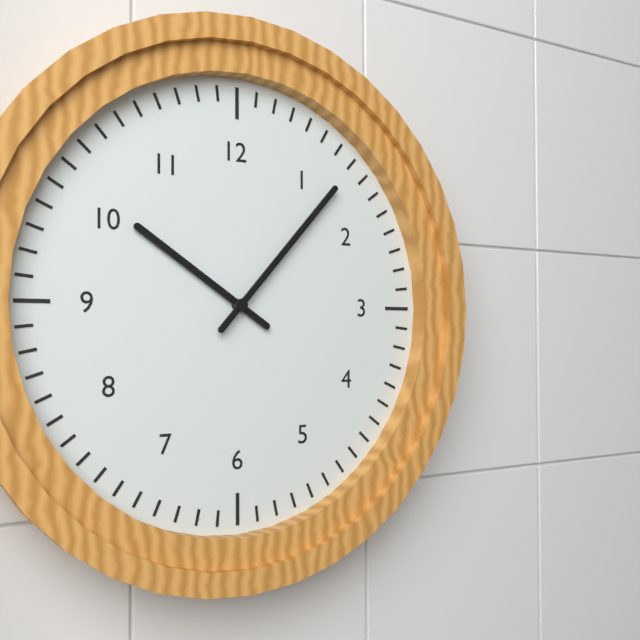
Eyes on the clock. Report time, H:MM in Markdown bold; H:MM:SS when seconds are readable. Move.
**10:07**
